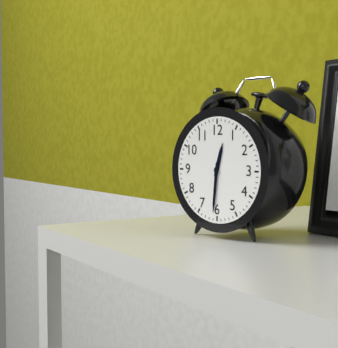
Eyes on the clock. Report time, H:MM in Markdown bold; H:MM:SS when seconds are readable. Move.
**12:31**
